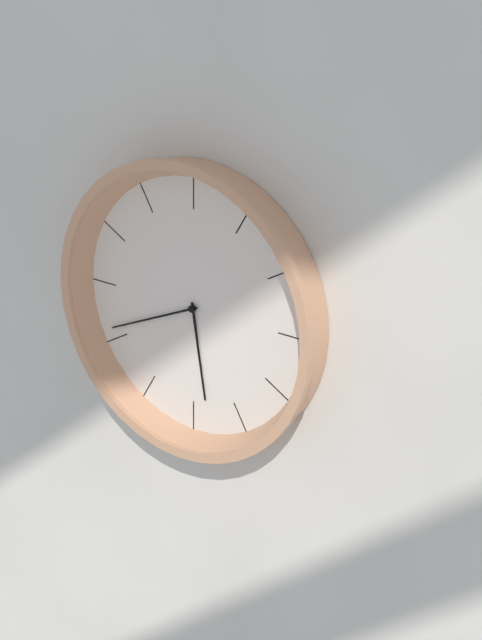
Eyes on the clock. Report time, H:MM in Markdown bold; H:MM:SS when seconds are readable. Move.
**5:41**
